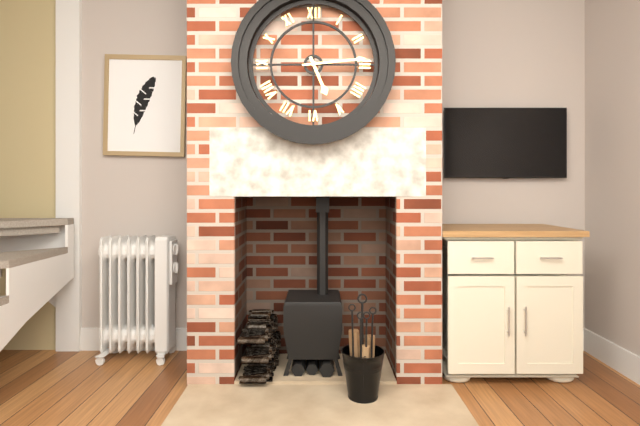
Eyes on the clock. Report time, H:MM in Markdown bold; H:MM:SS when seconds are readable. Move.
**5:14**
